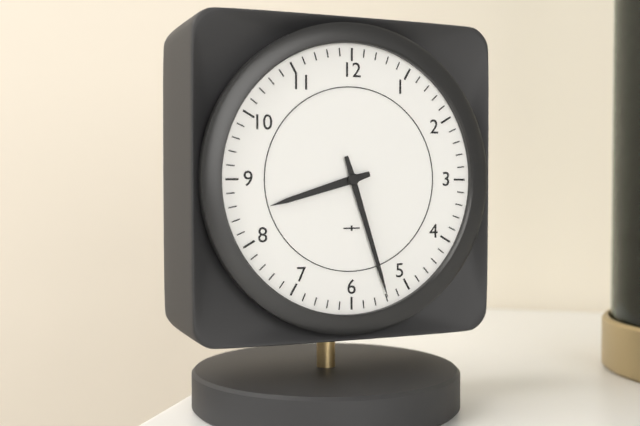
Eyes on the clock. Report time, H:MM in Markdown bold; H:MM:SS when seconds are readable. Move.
**8:27**
